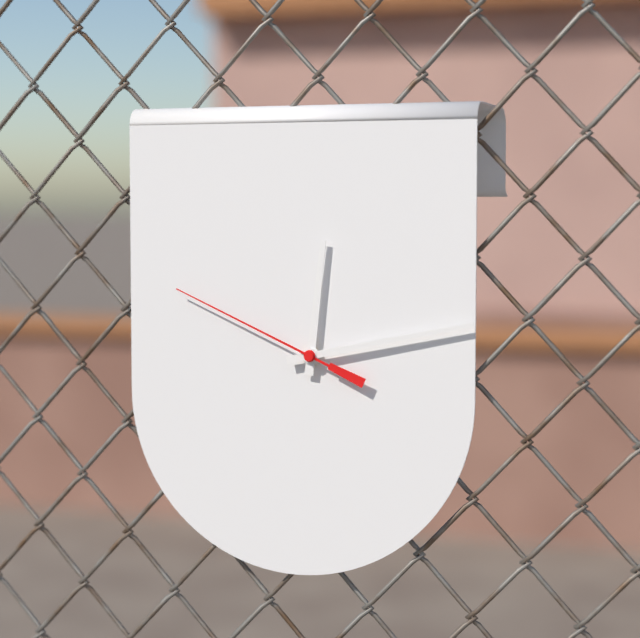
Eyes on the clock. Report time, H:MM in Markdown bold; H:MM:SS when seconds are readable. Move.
**12:13:49**
